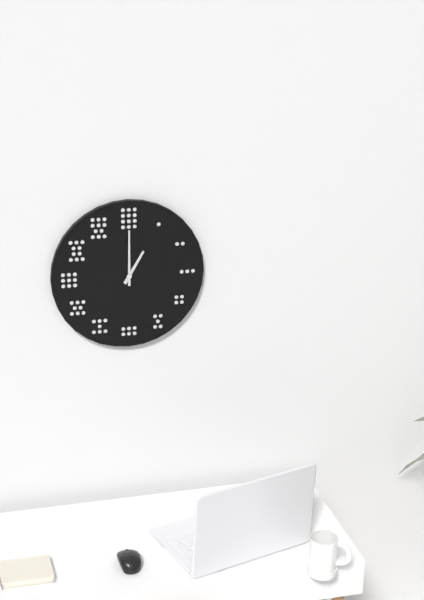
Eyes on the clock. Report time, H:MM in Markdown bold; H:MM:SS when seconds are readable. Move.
**1:00**
